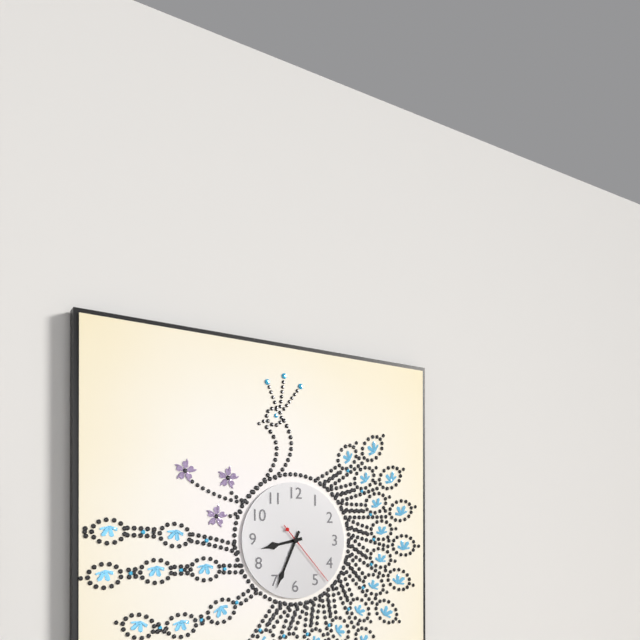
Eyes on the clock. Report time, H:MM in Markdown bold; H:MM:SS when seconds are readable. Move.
**8:34:23**
